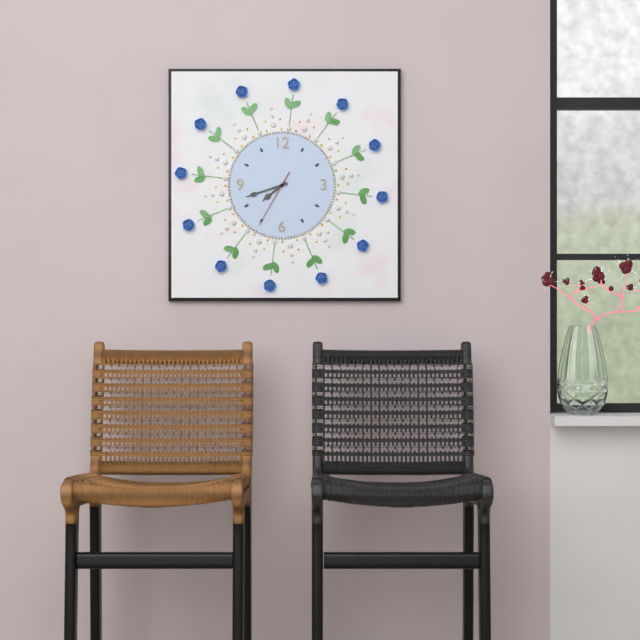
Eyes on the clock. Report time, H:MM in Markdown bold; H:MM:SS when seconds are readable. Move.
**7:42:35**
